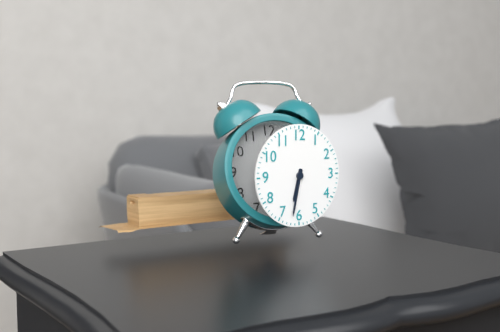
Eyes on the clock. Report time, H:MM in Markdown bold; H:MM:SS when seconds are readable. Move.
**6:32**
